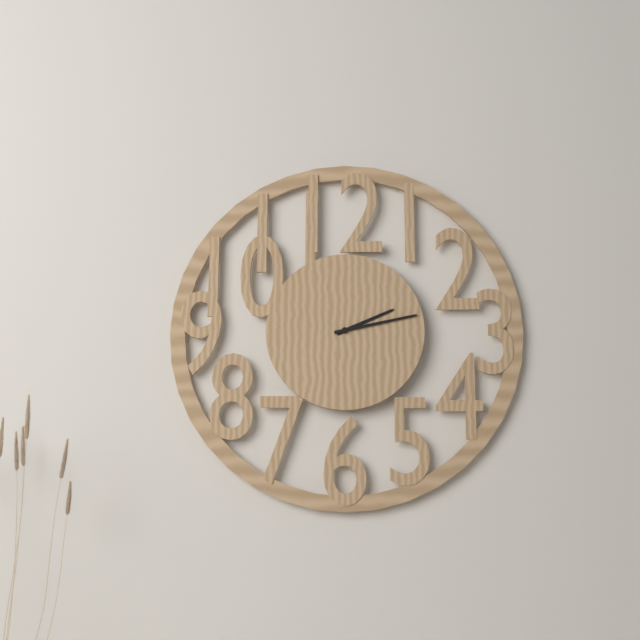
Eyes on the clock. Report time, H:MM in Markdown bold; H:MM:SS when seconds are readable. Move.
**2:13**
